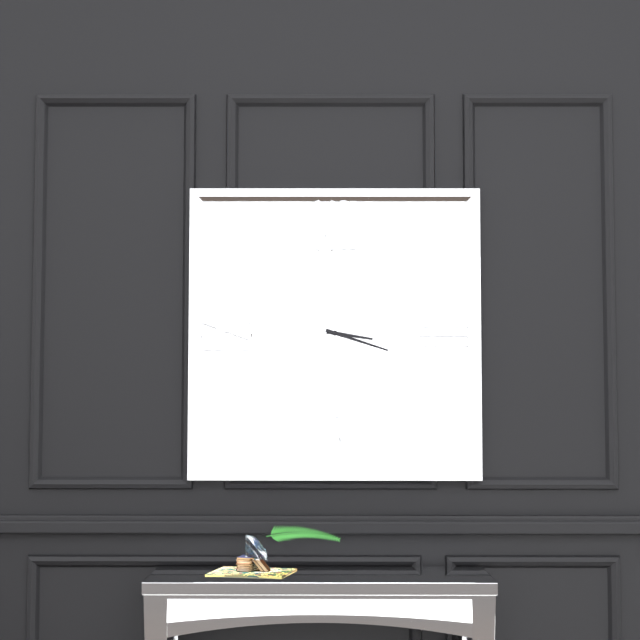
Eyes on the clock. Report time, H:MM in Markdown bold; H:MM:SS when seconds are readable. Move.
**3:18**
